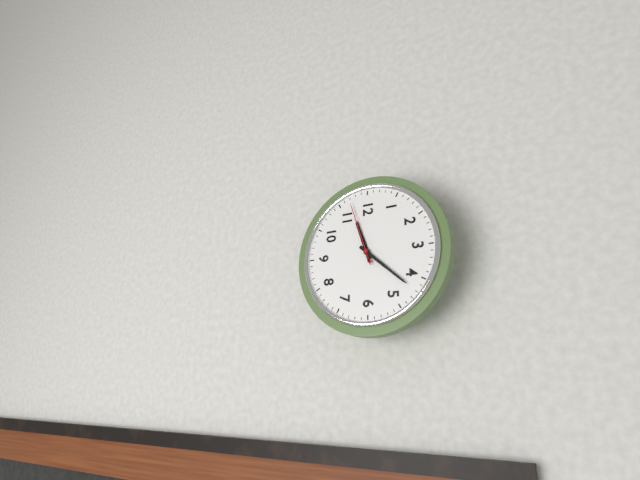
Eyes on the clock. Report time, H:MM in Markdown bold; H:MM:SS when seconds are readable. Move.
**11:22:57**
